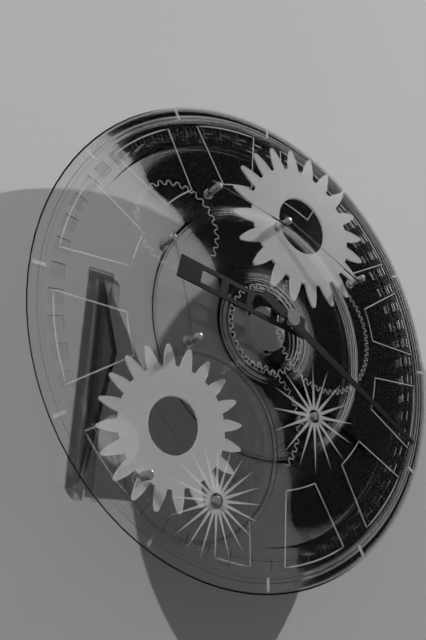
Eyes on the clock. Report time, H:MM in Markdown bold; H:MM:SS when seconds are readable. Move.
**9:20**
